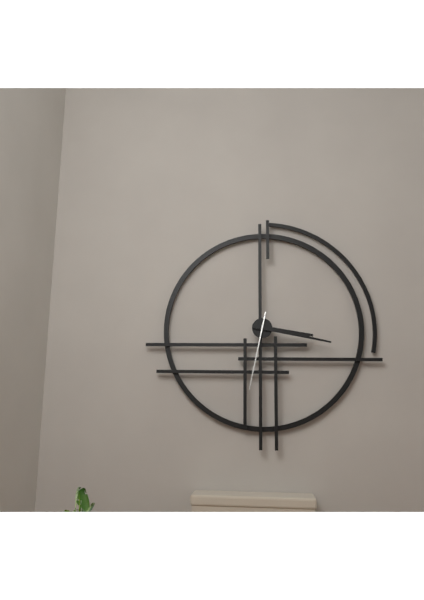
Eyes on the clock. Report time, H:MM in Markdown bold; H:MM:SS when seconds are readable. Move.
**3:17:32**
